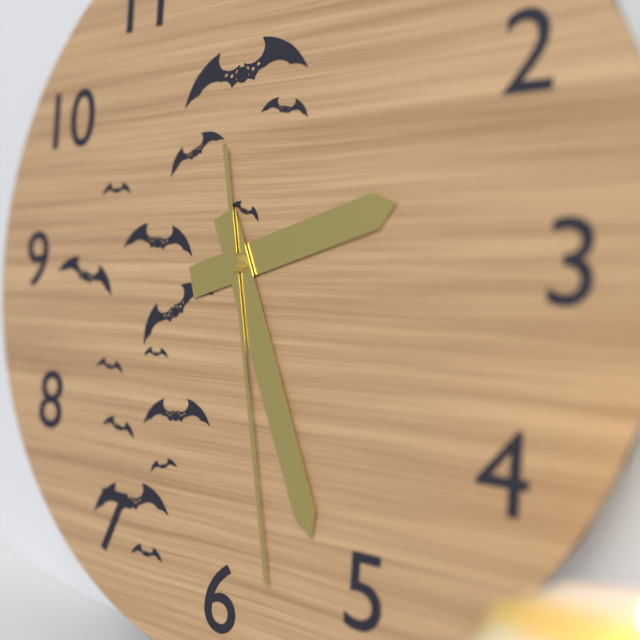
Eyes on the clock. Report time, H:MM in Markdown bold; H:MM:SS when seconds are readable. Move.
**2:26:28**
